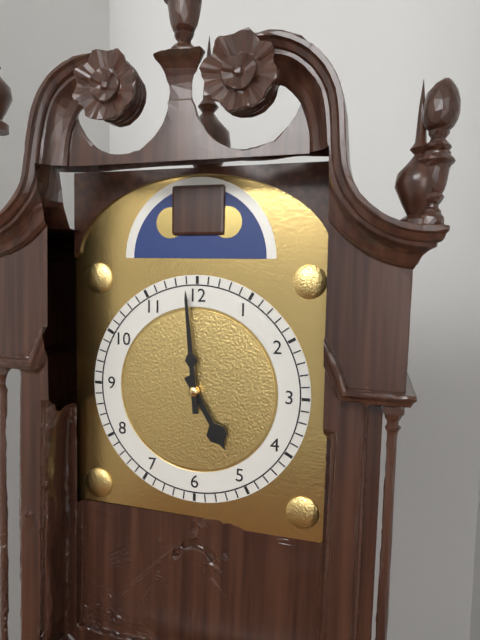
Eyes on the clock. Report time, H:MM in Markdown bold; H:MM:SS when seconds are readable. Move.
**4:59**
